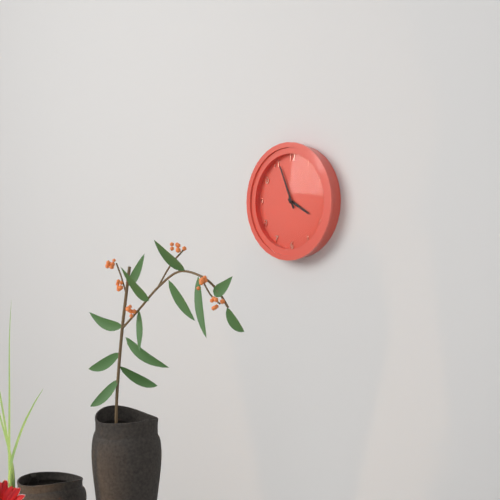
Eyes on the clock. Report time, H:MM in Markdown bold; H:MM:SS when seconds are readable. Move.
**3:56**
